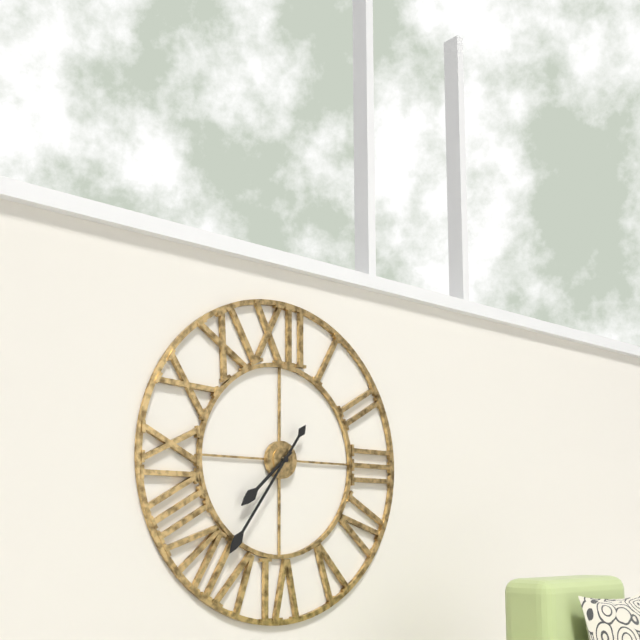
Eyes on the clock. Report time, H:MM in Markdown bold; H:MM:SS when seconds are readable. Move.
**7:36**
